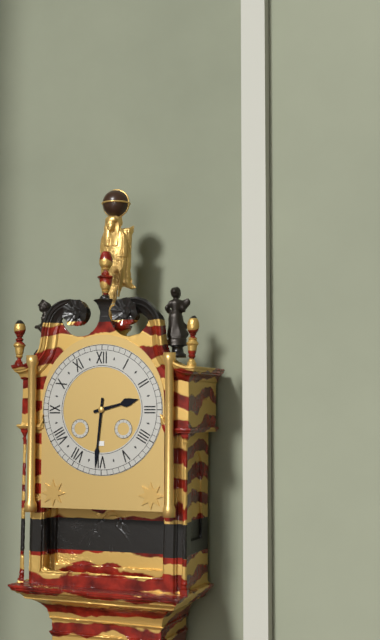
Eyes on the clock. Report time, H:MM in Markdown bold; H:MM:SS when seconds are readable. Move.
**2:31**
